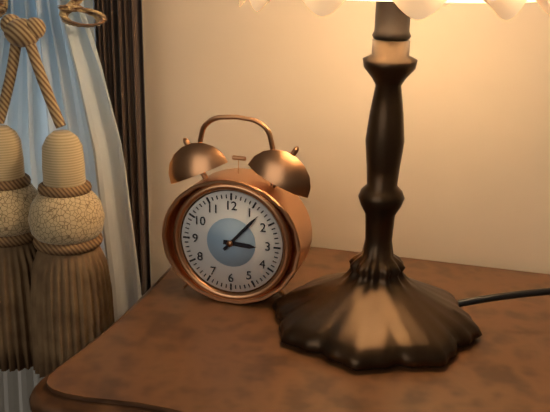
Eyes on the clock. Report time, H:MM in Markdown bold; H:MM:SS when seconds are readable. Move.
**3:07**
